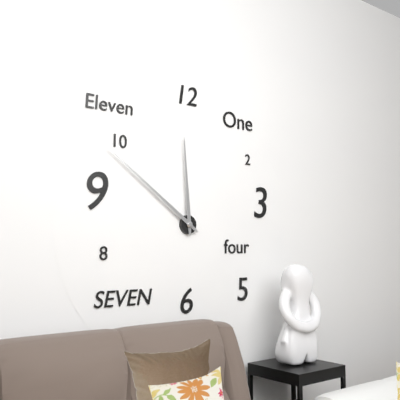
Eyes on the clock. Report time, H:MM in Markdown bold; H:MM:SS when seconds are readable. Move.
**11:51**
